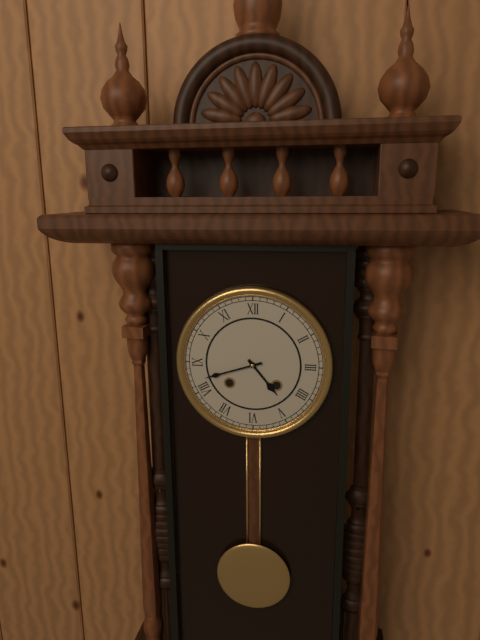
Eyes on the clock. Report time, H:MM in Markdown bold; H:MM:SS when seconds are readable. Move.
**4:42**
